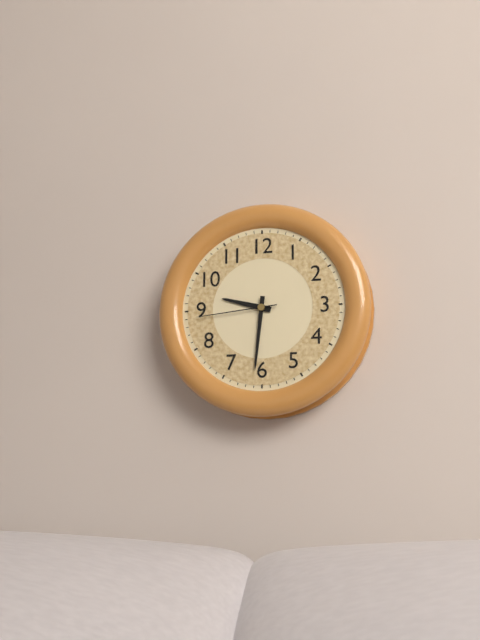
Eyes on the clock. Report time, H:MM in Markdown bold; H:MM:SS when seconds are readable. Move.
**9:31:44**
